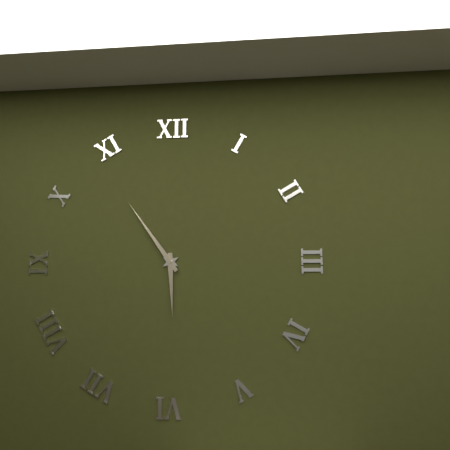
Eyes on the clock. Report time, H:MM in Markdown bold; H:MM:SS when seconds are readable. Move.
**5:54**
